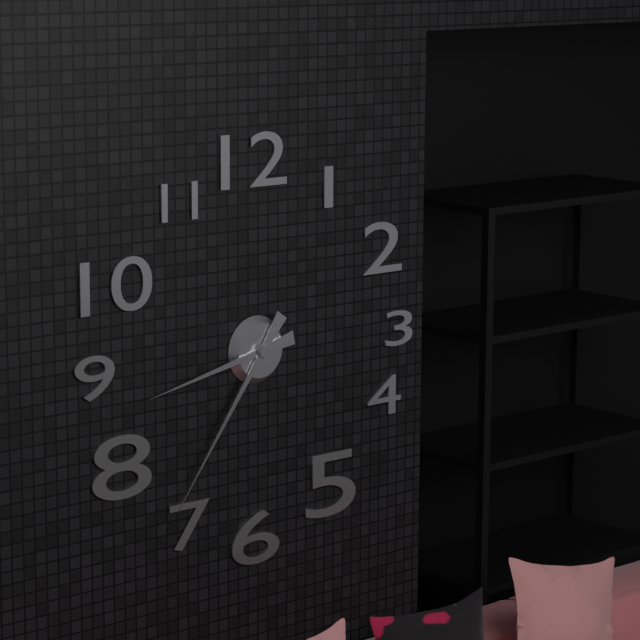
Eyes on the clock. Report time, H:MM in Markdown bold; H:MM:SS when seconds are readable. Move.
**8:36**
